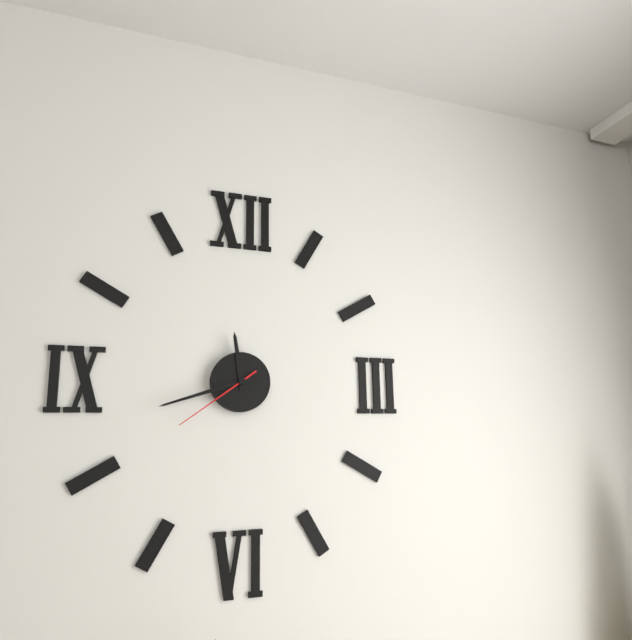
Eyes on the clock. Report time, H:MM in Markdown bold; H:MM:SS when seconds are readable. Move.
**11:42:39**
